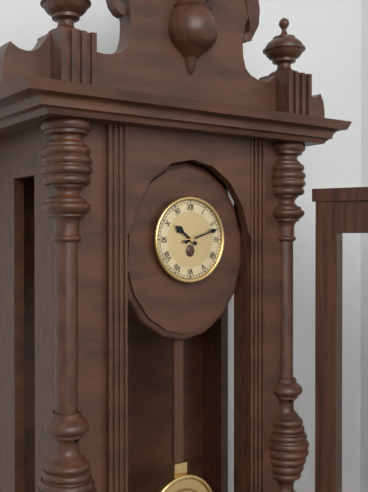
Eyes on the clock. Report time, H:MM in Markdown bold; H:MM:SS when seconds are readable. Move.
**10:12**
